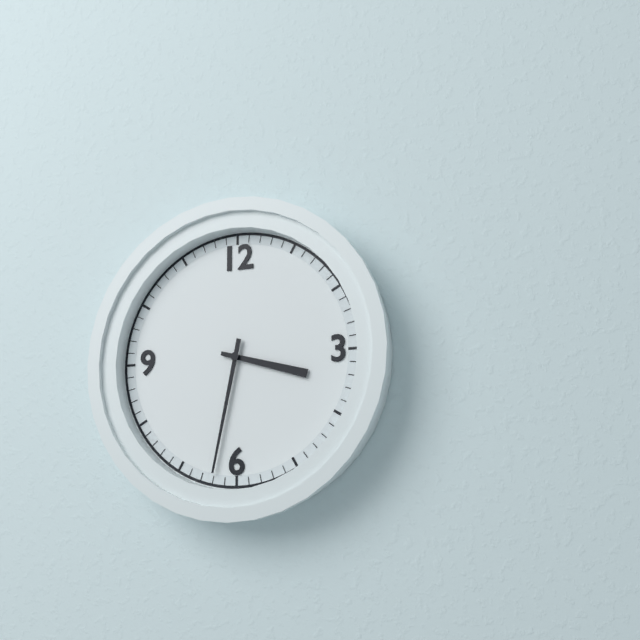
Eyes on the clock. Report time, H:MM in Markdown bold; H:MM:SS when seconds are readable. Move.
**3:32**
